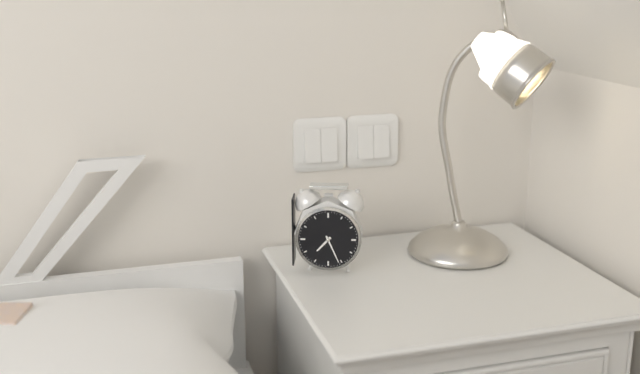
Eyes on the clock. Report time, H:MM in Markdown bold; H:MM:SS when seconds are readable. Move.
**7:26**
